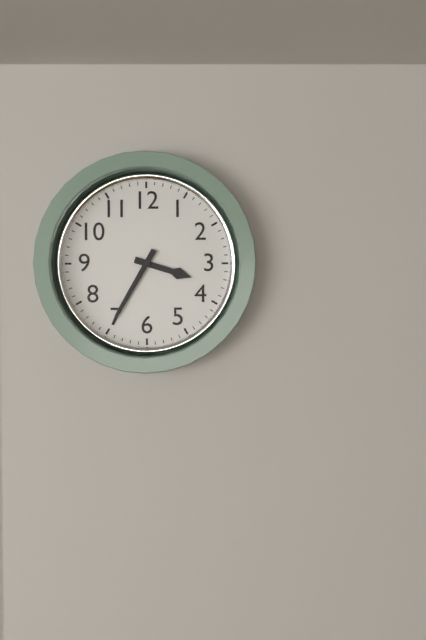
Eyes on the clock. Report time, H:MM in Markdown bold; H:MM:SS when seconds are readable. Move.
**3:35**
